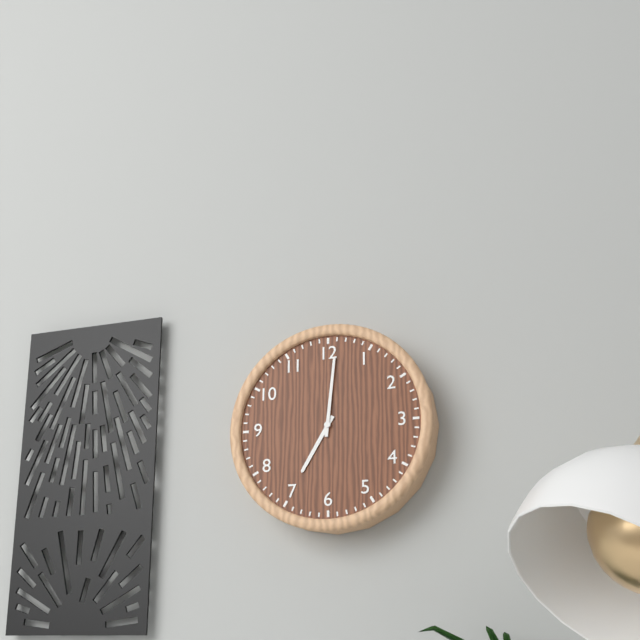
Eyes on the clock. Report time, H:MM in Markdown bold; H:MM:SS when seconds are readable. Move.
**7:01**
